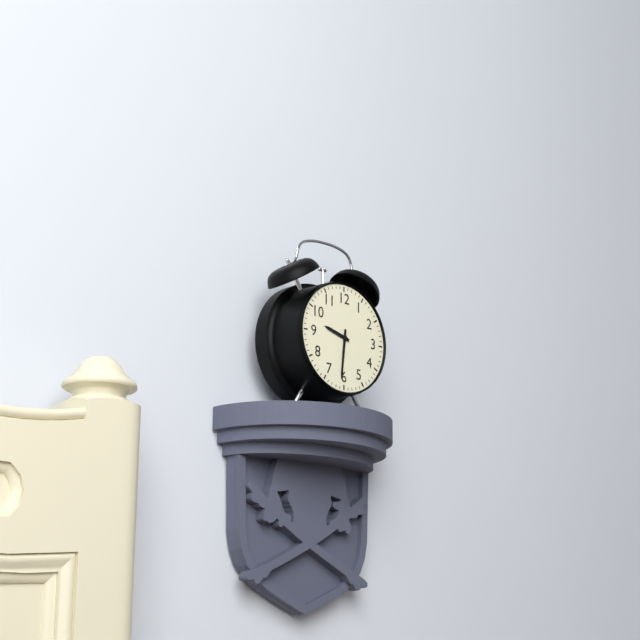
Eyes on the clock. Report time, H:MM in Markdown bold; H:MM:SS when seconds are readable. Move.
**9:31**
